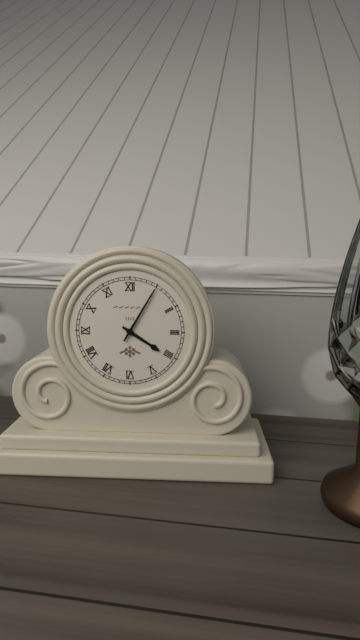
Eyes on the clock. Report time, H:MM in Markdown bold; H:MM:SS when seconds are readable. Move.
**4:05**
